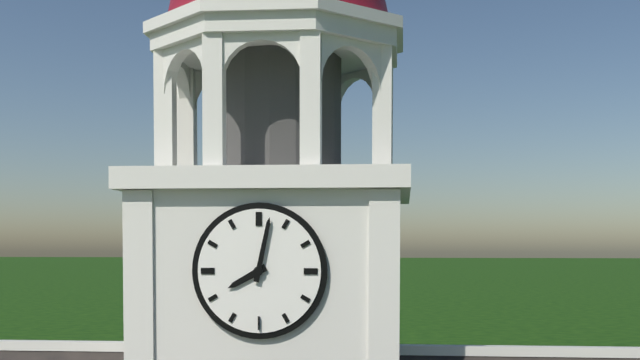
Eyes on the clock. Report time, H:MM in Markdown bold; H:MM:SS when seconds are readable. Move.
**8:02**
